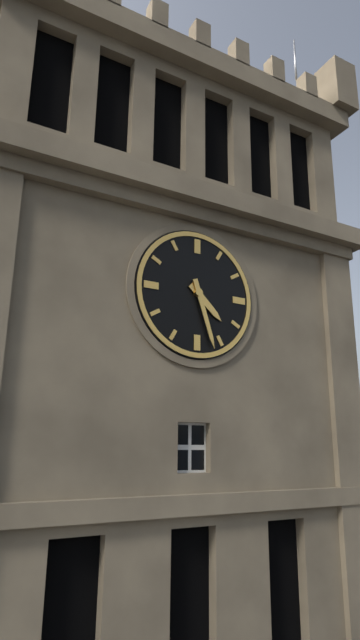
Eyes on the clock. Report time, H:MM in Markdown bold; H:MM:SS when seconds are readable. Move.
**4:27**
